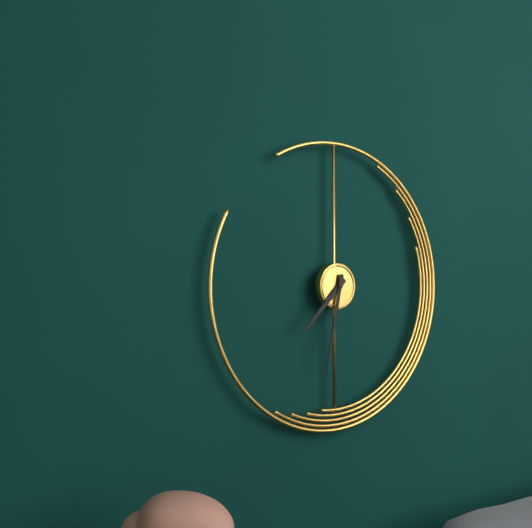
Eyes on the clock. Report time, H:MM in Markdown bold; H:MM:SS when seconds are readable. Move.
**7:32**
